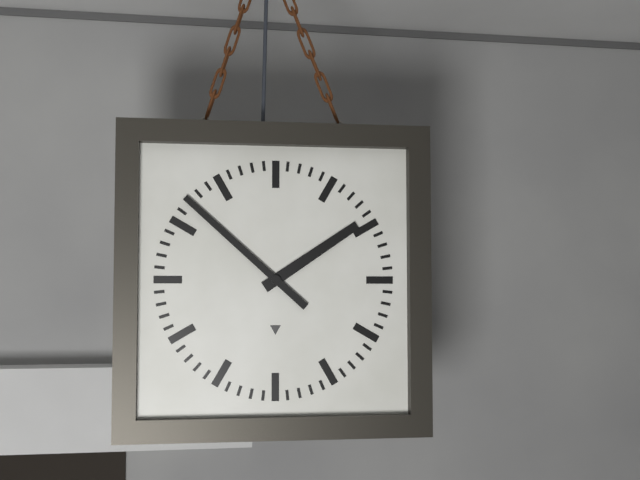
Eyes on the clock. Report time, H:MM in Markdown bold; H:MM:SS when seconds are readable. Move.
**1:52**
